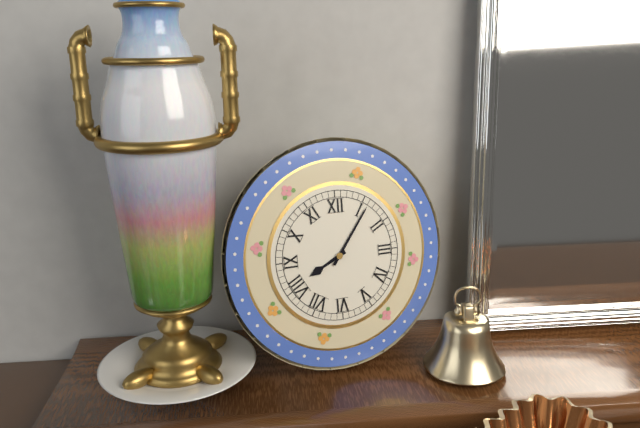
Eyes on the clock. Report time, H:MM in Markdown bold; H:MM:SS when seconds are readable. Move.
**8:06**
